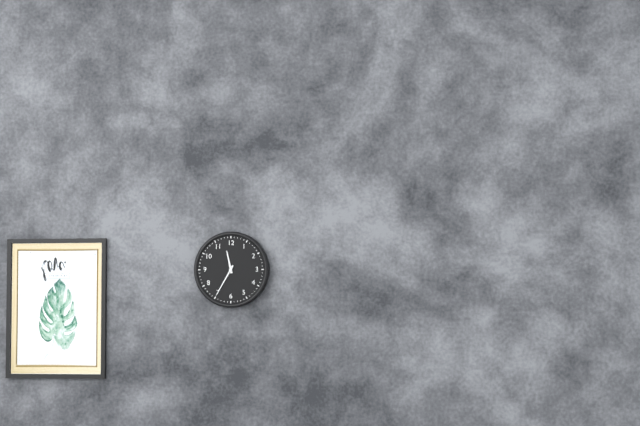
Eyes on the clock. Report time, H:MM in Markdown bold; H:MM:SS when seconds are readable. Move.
**11:35**
